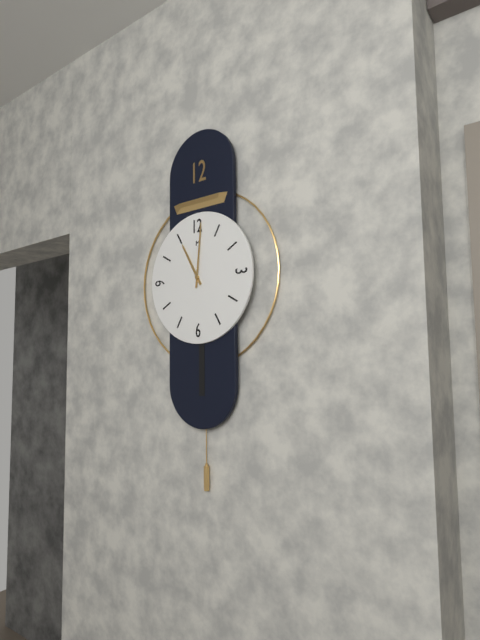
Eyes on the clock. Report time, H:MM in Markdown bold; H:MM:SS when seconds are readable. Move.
**11:01**
